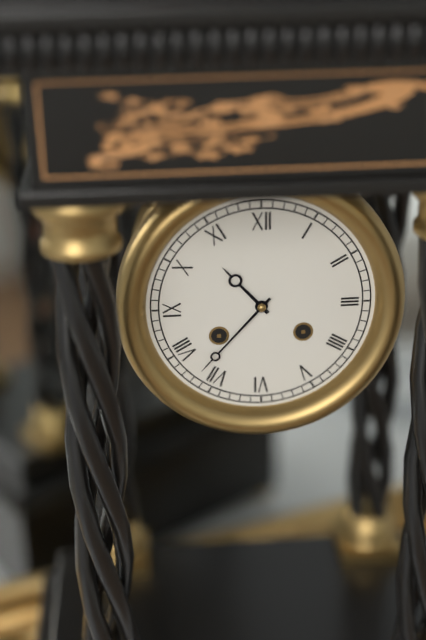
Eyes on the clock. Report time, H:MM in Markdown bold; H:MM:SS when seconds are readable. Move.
**10:37**
